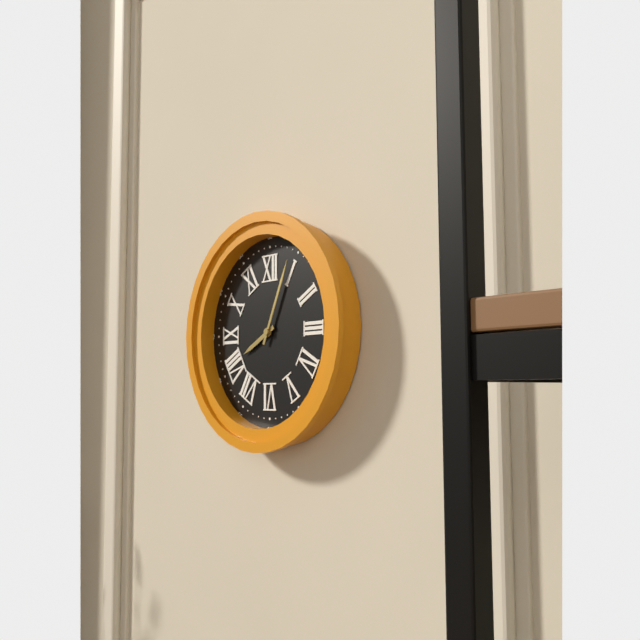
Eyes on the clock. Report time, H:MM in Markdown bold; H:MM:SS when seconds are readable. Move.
**8:04**
